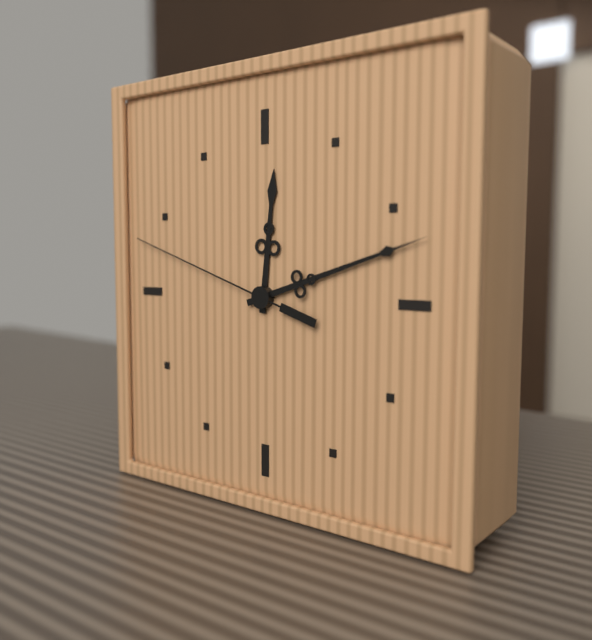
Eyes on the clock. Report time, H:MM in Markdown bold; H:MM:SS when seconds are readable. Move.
**12:12:48**
